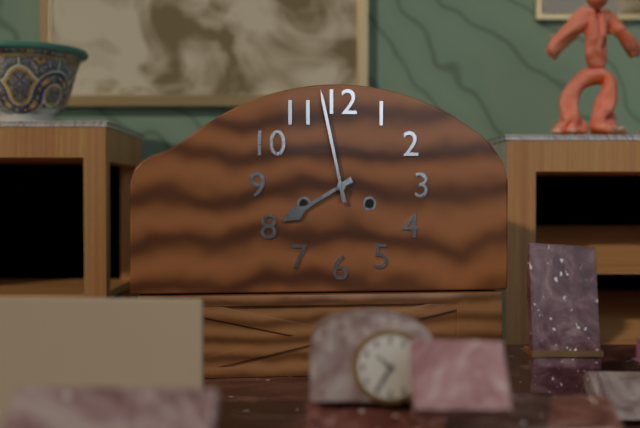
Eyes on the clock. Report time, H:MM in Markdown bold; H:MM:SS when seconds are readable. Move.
**7:58**
